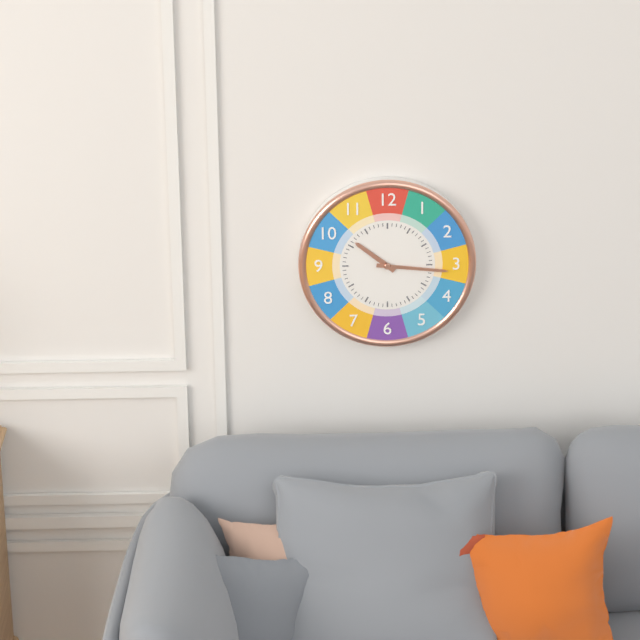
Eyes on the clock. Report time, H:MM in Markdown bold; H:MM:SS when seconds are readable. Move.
**10:16**
